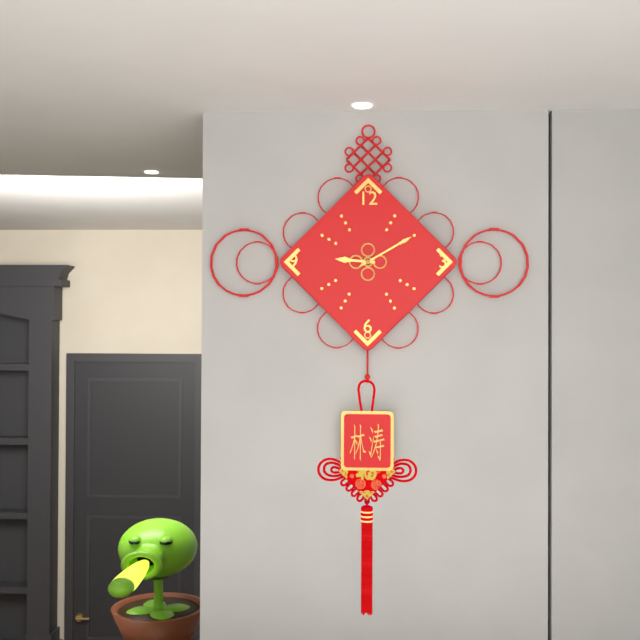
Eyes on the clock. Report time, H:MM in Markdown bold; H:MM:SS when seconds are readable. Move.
**9:10**
